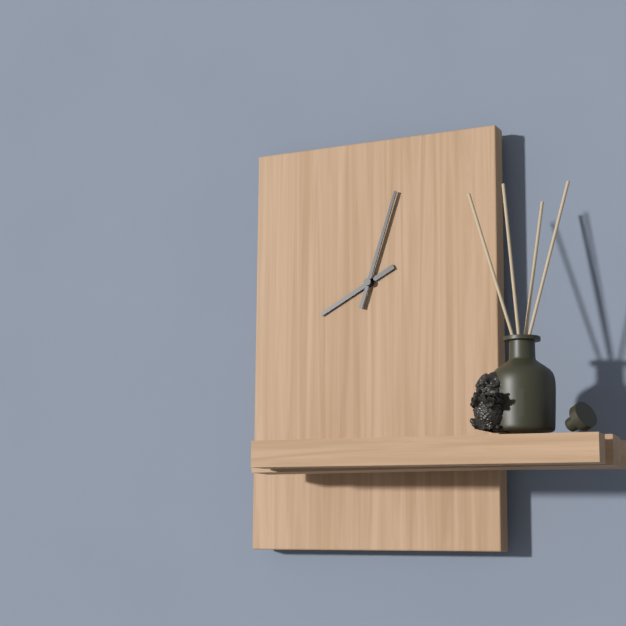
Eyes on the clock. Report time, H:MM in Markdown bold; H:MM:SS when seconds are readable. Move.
**8:03**
